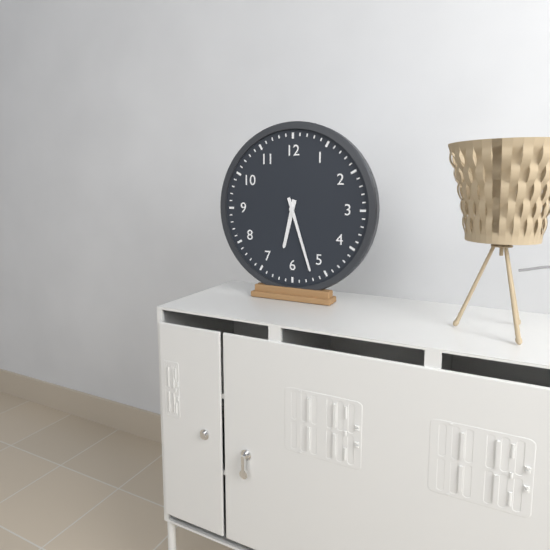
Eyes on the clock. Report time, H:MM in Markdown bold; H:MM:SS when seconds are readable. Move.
**6:27**
